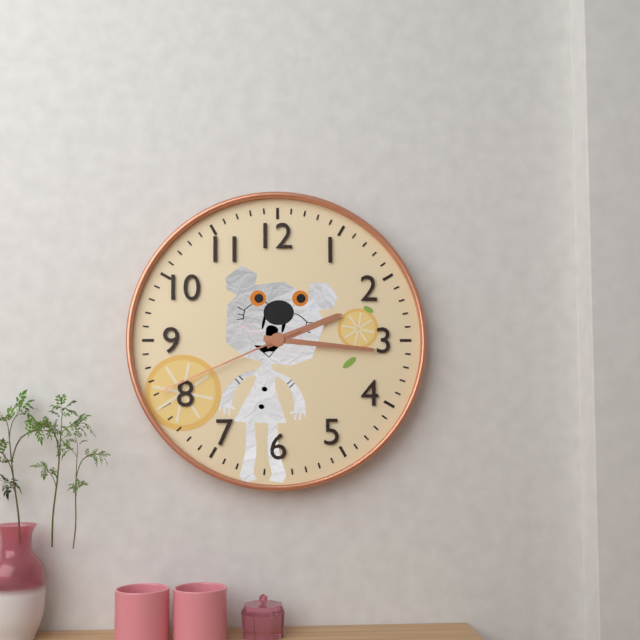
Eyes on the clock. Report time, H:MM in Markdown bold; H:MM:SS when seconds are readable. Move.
**2:16:41**
